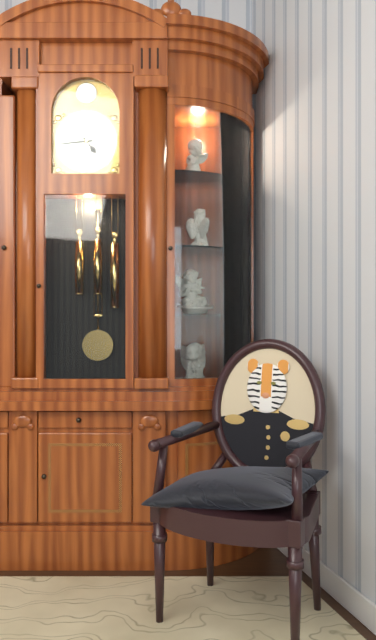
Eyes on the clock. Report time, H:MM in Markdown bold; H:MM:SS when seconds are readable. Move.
**4:44**
